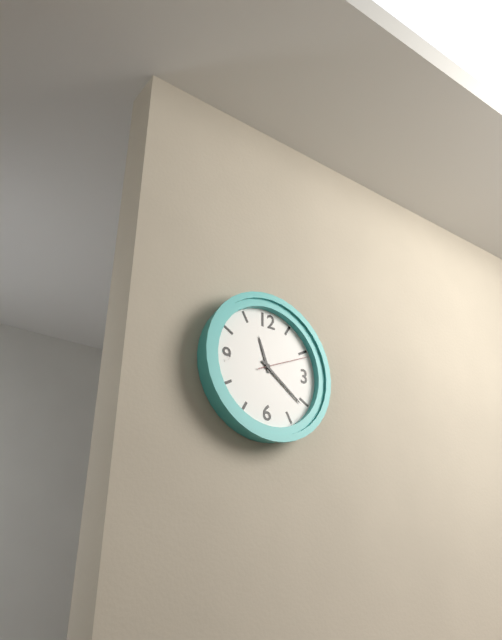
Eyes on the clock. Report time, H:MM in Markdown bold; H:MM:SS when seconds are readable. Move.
**11:21:11**
